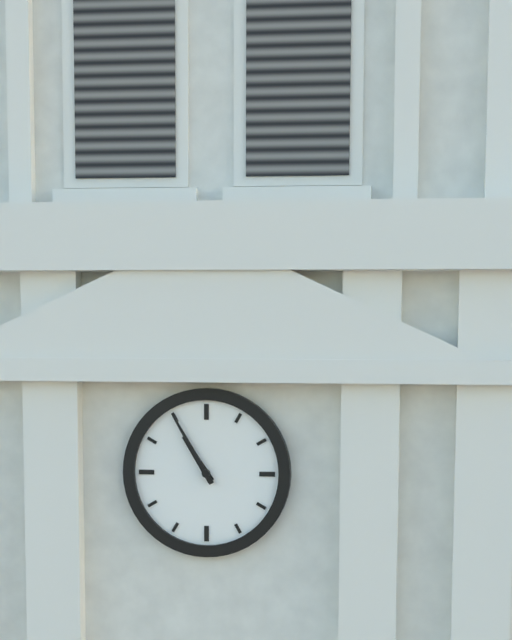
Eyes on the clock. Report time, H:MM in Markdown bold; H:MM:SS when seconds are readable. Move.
**10:55**
